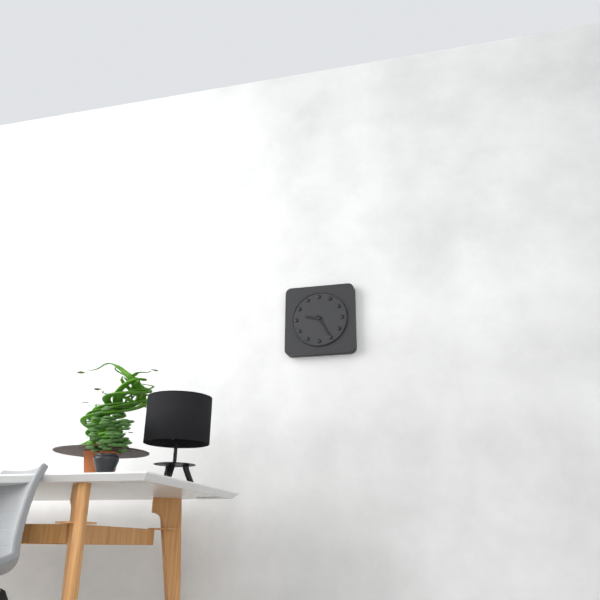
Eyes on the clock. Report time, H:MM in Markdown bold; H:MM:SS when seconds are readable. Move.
**9:25**
